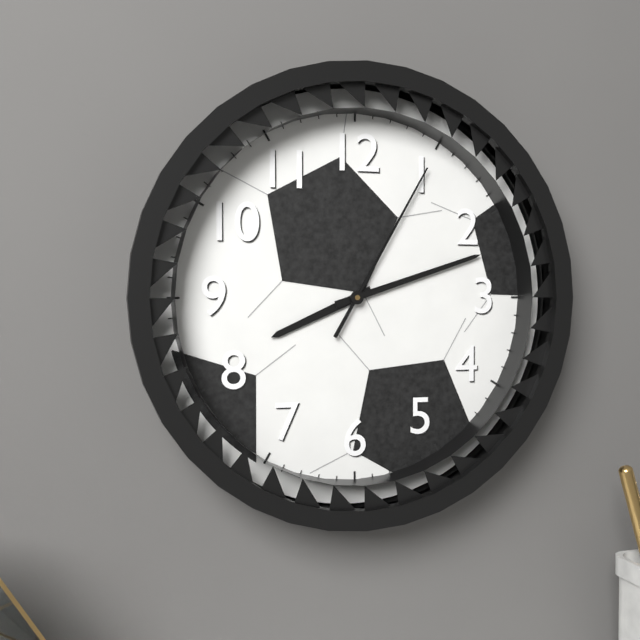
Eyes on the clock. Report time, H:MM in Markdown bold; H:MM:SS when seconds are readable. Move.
**8:12:05**
